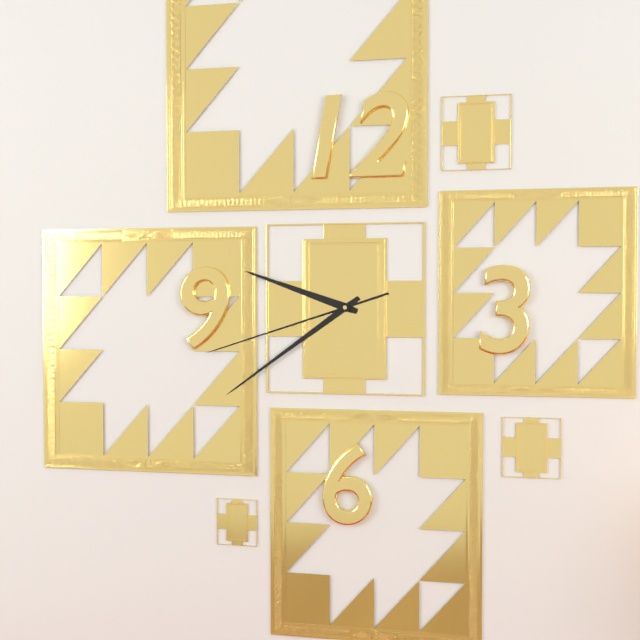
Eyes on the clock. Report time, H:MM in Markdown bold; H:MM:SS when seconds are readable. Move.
**9:39:42**
